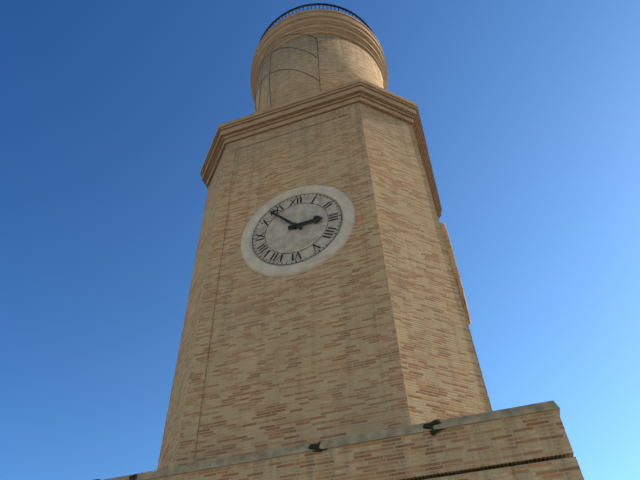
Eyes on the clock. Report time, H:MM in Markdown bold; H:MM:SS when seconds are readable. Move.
**2:53**
